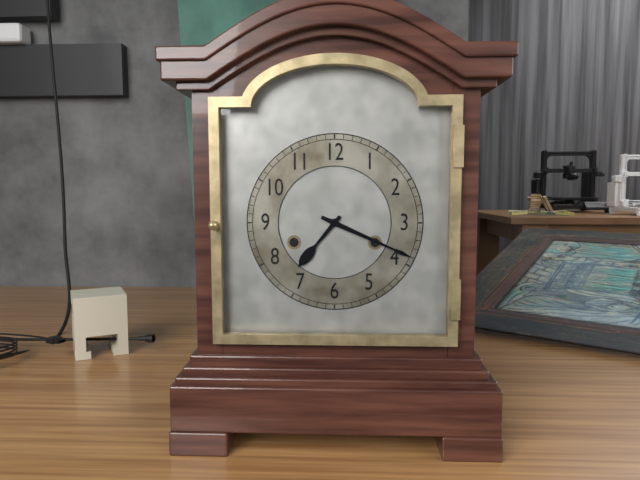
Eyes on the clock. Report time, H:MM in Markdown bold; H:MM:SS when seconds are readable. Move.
**7:19**
